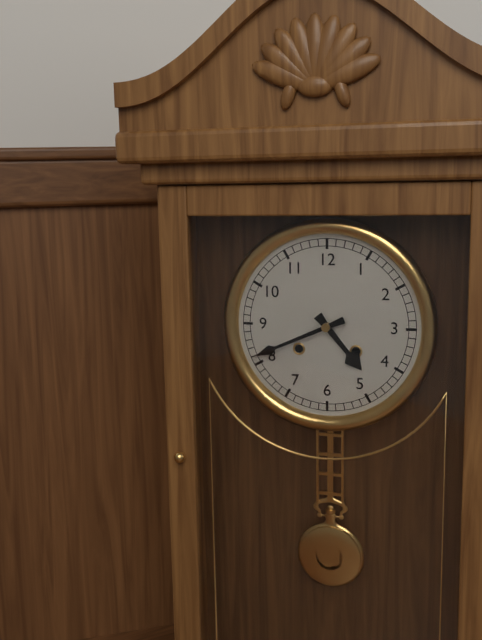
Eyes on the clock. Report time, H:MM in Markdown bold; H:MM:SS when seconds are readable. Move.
**4:41**
